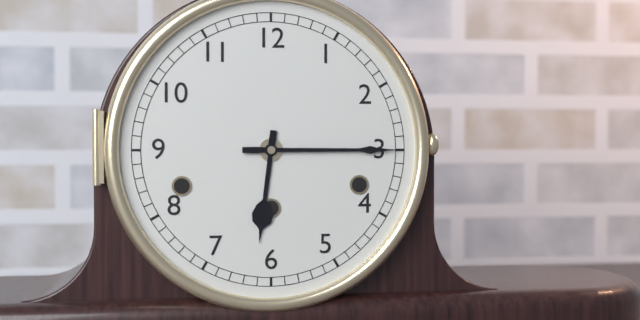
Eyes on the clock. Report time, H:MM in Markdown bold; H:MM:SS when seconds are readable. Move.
**6:15**
